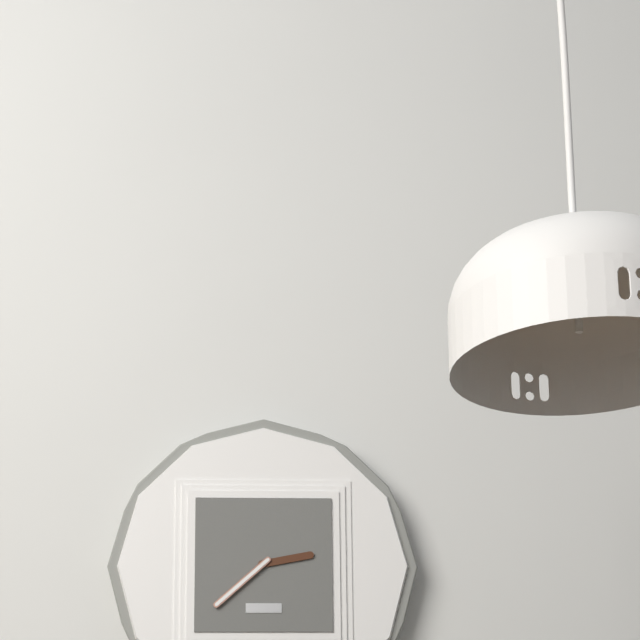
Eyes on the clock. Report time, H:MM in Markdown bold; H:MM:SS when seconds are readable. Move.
**2:38**
